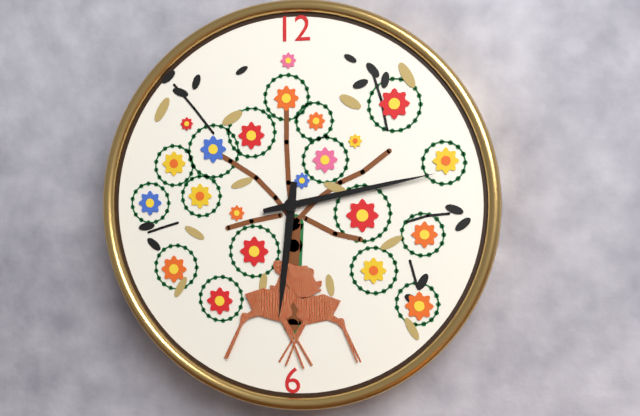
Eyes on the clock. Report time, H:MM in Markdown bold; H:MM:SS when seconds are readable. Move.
**6:13**
